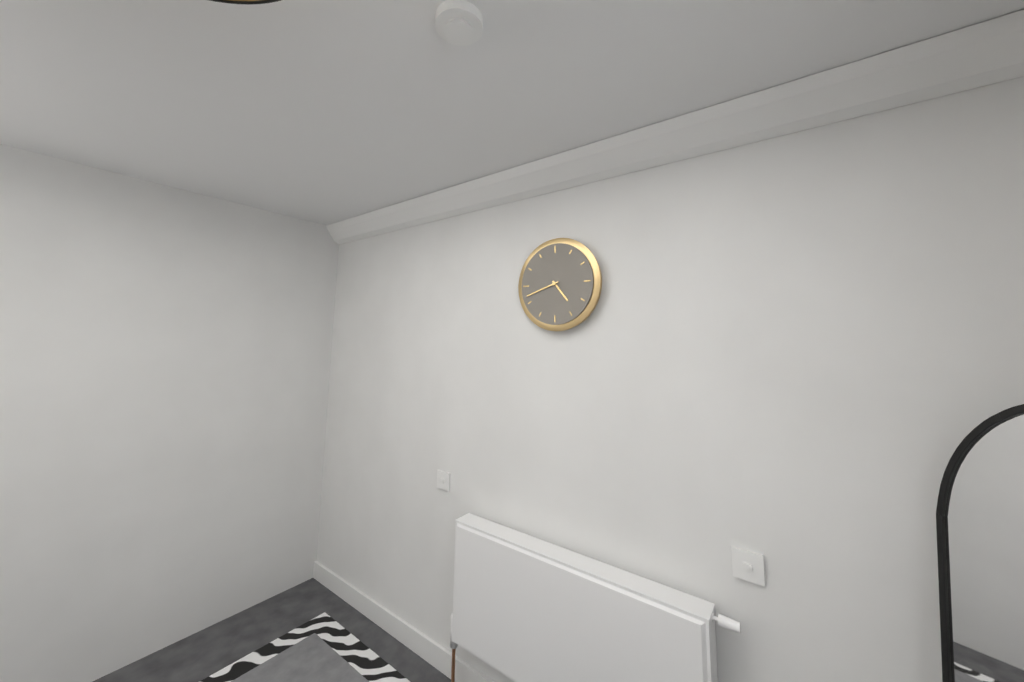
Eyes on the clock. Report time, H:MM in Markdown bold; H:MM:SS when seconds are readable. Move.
**4:42**
